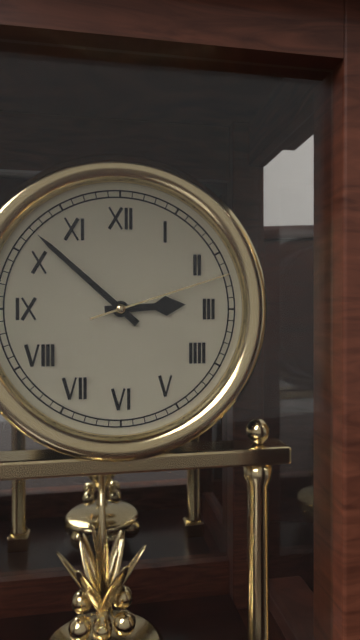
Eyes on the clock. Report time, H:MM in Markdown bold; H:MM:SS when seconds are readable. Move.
**2:52:12**
